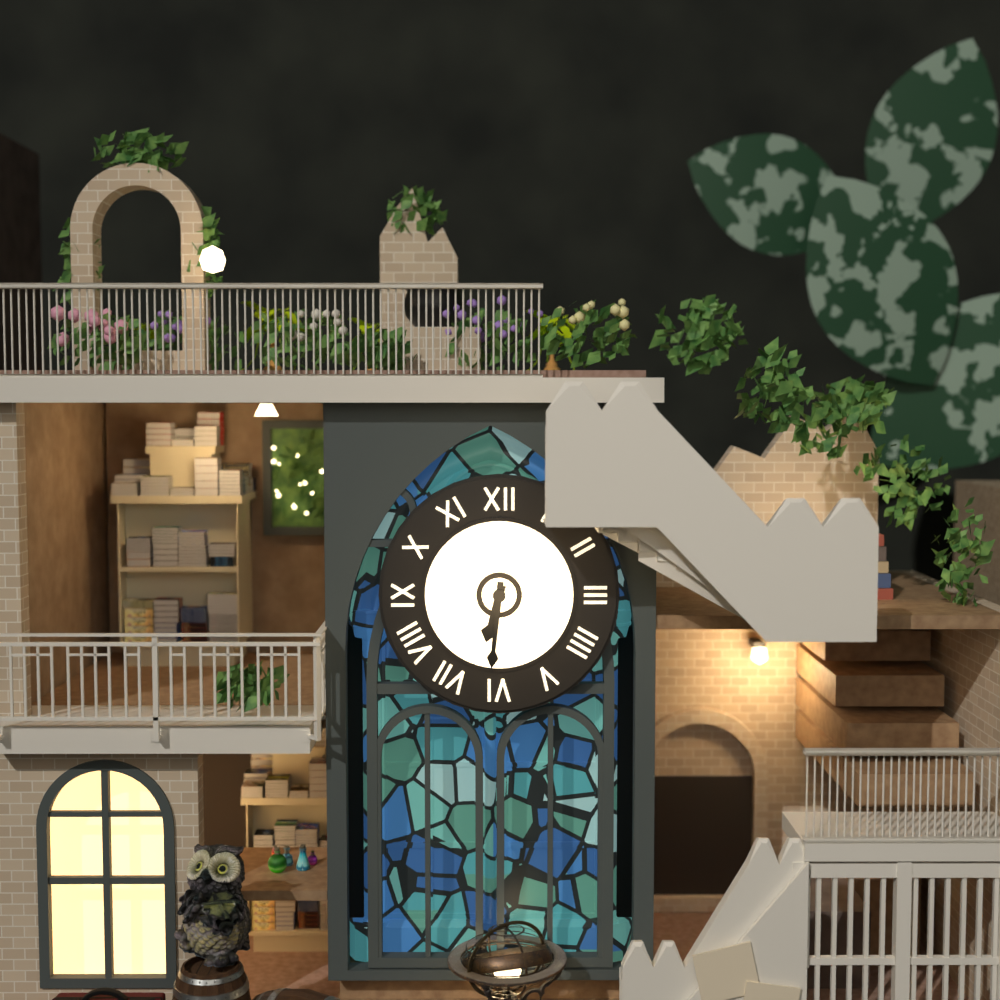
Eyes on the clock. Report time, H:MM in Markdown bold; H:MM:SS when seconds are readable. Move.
**6:31**
